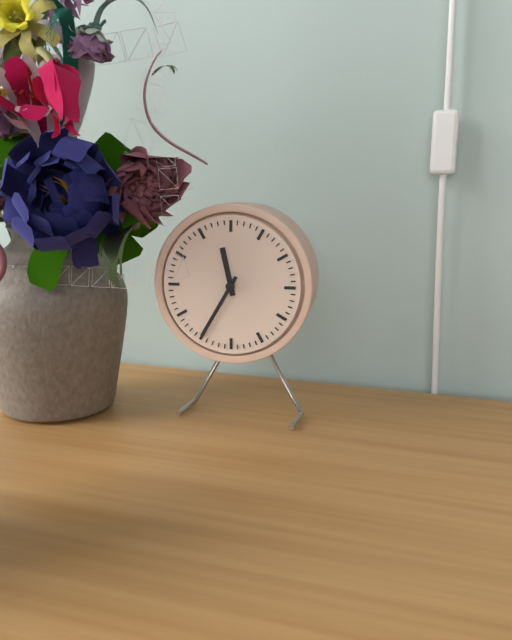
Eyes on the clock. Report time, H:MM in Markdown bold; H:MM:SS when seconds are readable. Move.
**11:35**
